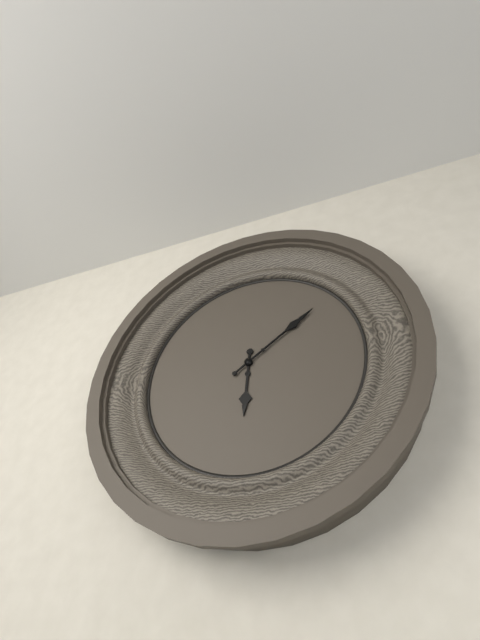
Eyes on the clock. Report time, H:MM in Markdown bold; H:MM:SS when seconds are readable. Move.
**6:09**
